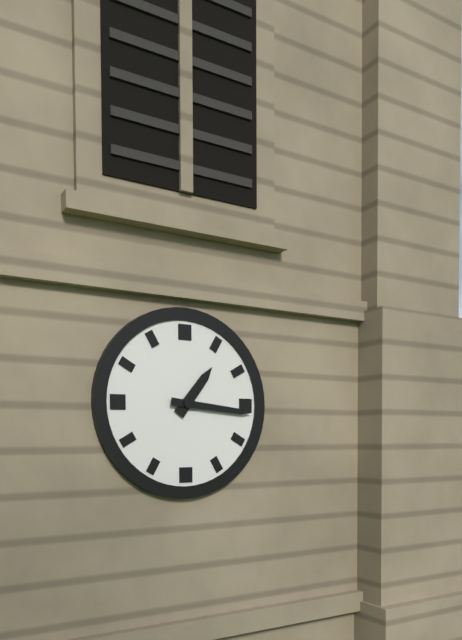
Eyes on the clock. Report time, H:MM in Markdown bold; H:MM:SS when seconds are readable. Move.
**1:16**
